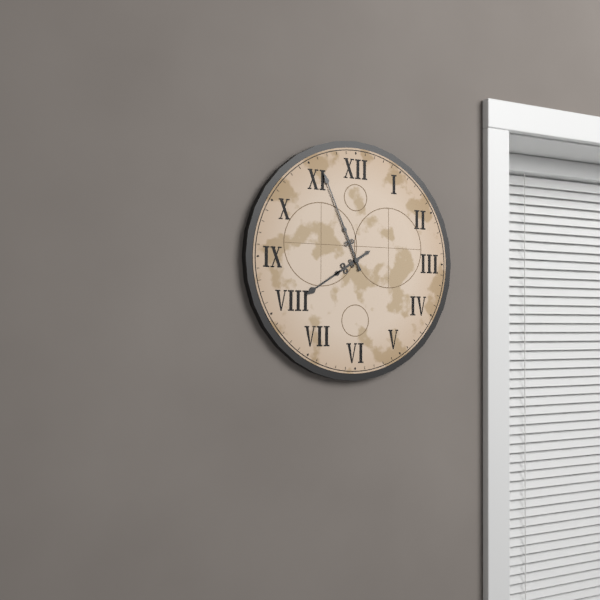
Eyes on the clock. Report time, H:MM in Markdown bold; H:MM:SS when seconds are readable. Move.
**7:56**
